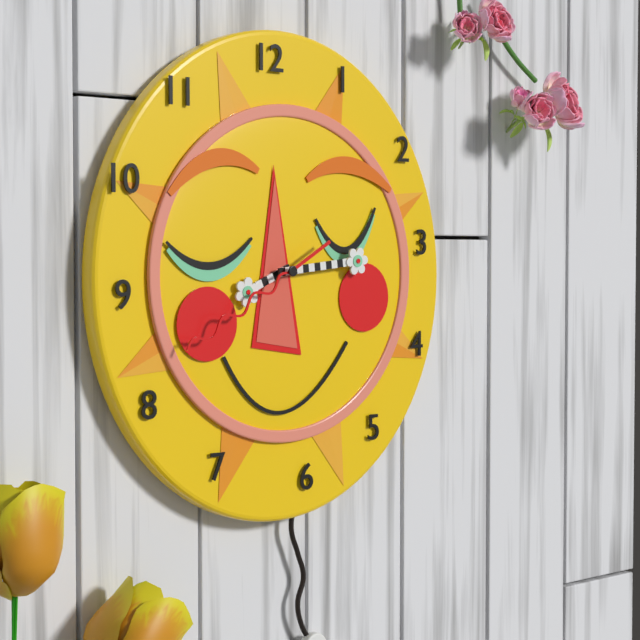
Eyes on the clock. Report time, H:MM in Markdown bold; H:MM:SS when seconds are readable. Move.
**8:14:40**
